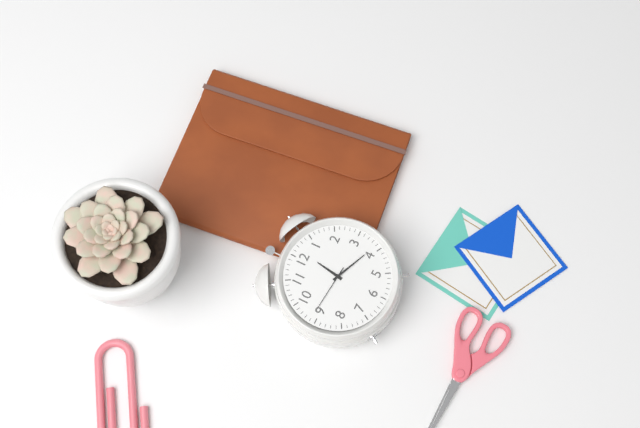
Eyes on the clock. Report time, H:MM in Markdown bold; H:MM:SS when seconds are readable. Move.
**12:19:46**
